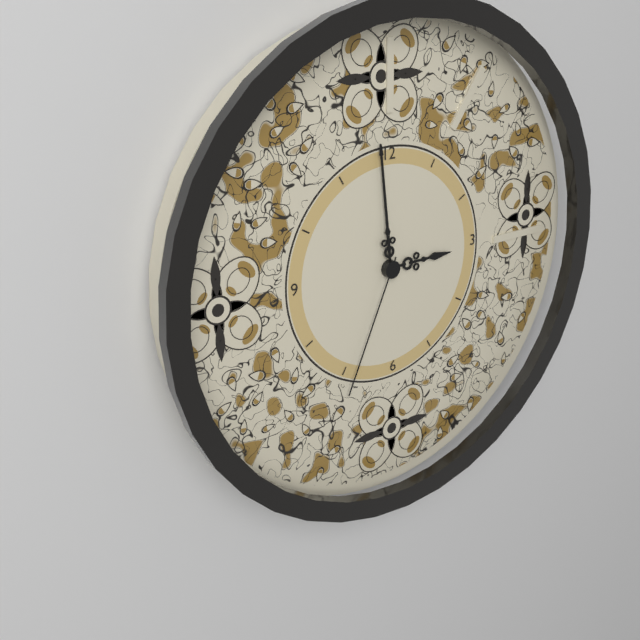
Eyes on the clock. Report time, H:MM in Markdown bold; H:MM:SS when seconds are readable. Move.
**2:59:34**
